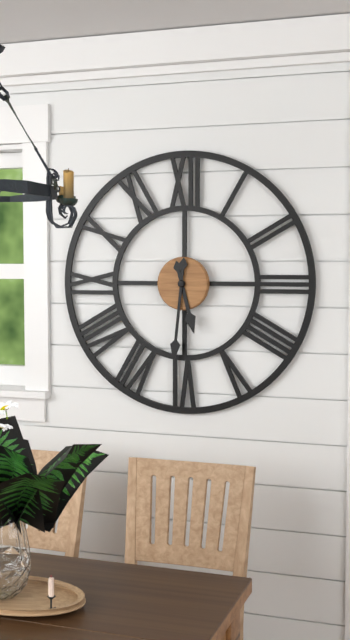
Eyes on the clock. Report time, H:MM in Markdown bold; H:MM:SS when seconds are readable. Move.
**5:31**
